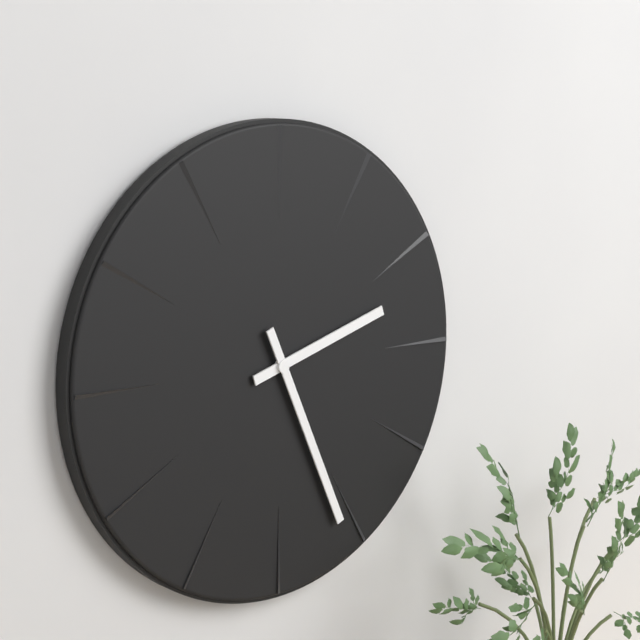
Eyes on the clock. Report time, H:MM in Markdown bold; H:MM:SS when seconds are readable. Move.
**2:26**
